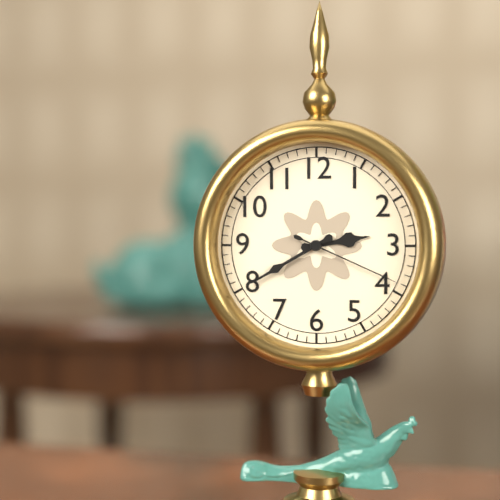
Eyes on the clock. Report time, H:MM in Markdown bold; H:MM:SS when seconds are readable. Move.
**2:40:19**
